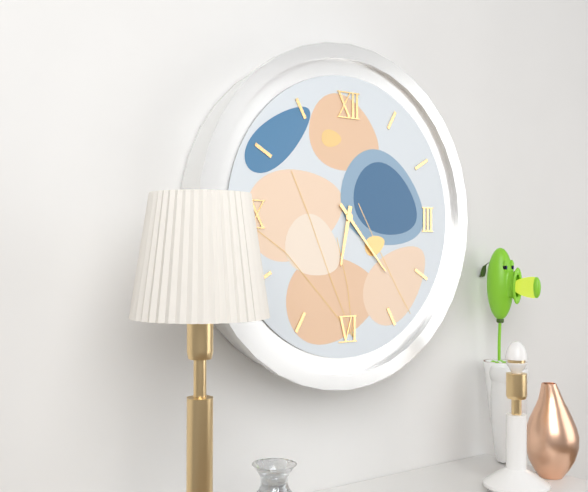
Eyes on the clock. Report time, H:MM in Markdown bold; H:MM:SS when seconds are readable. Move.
**6:23**
